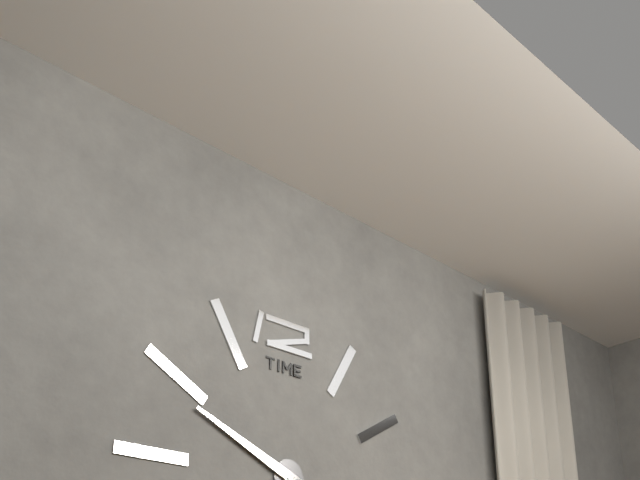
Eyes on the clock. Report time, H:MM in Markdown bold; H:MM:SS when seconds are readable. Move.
**9:49**
